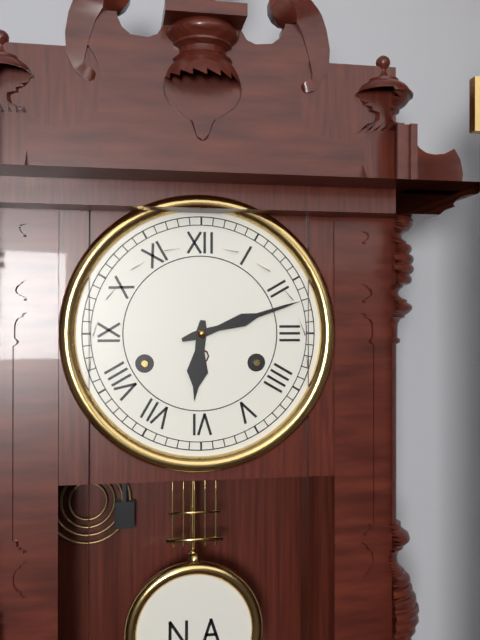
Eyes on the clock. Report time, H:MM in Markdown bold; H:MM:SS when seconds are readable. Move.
**6:12**
